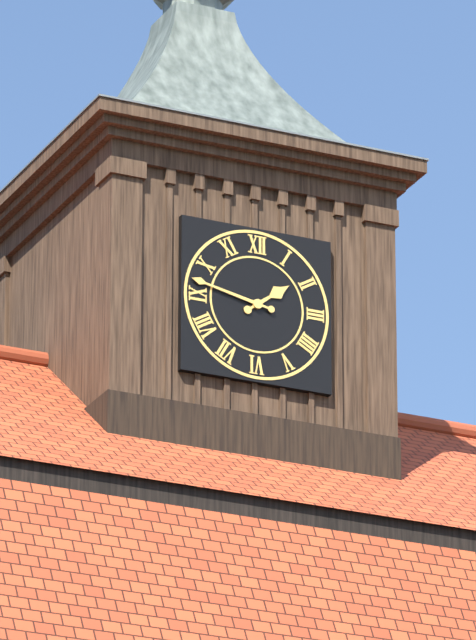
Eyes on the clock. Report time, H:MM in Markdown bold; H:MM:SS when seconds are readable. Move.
**1:47**
